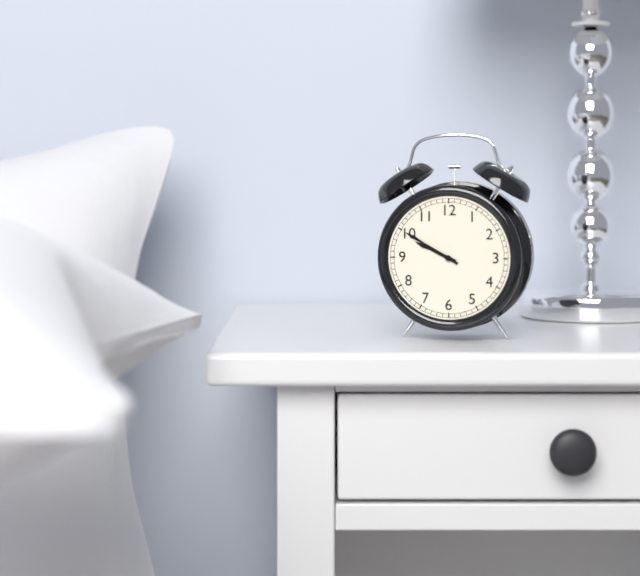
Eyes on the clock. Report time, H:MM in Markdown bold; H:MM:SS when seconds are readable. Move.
**9:50**
